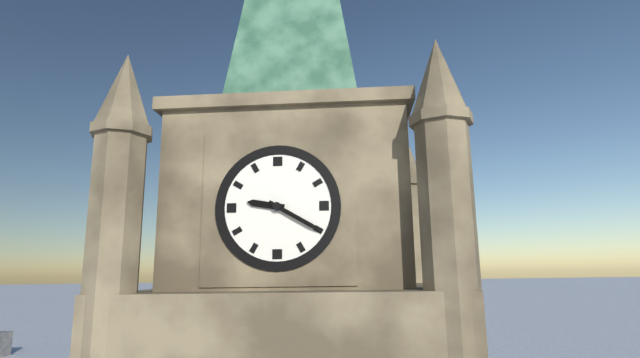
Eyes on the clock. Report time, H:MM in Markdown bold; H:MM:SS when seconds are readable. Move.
**9:20**
